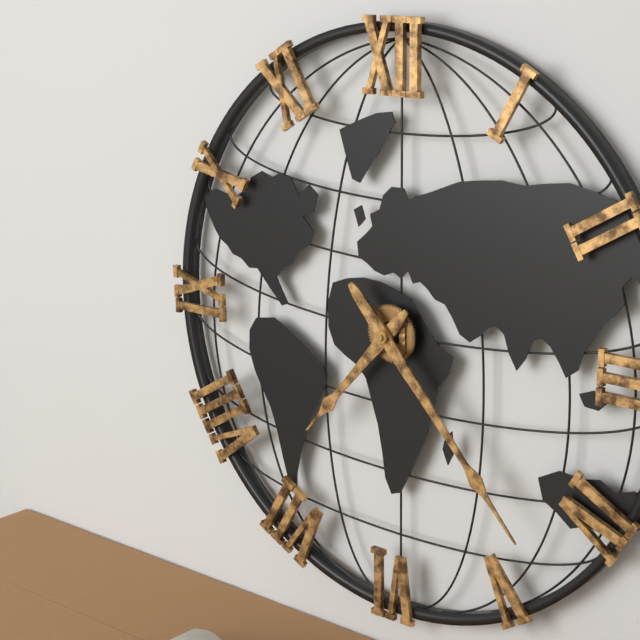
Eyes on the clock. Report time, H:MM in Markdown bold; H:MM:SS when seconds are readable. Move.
**7:23**
